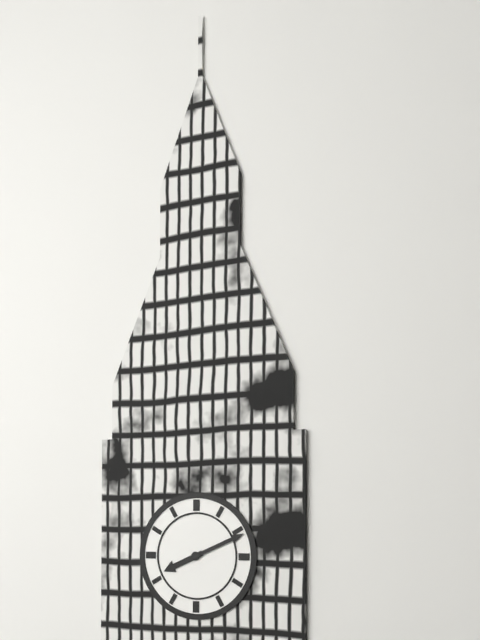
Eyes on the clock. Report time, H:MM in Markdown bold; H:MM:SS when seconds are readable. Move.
**8:11**
